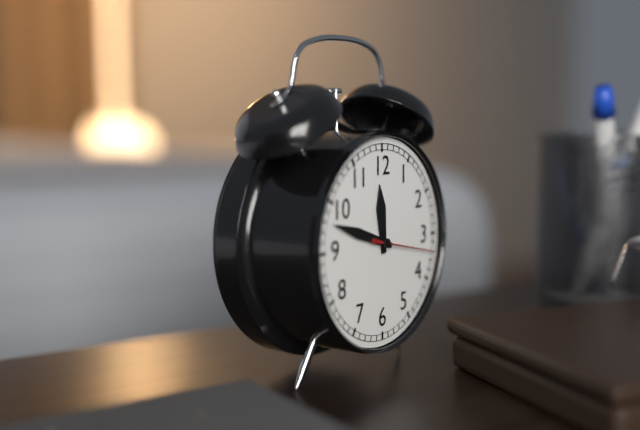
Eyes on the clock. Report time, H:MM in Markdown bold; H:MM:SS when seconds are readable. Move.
**11:48:17**
